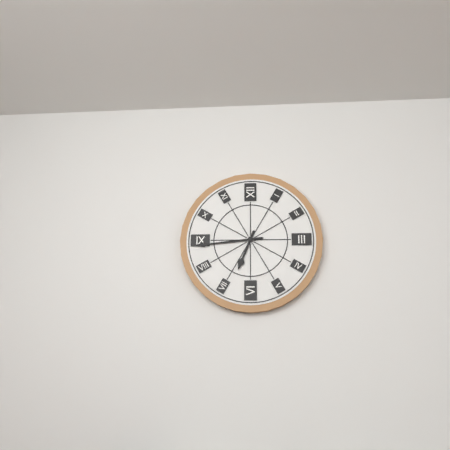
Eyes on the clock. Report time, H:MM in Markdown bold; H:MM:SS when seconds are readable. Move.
**6:44**
